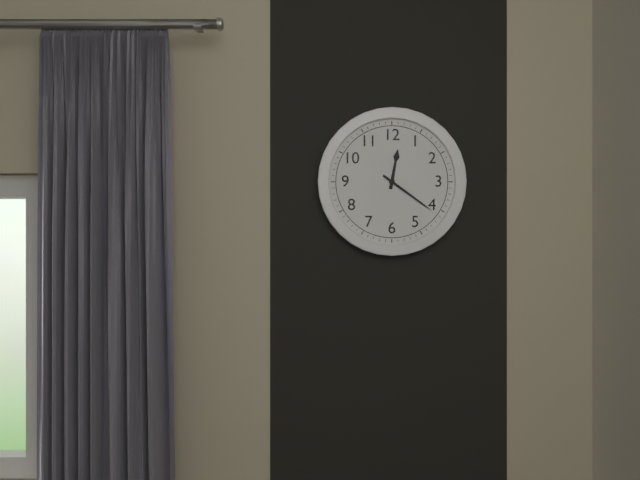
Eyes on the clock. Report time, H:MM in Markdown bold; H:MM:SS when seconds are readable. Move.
**12:21**
